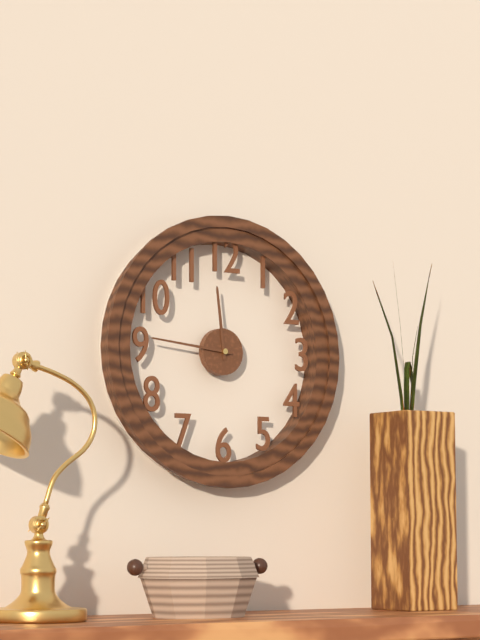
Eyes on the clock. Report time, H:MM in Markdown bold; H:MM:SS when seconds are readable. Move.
**11:46**
